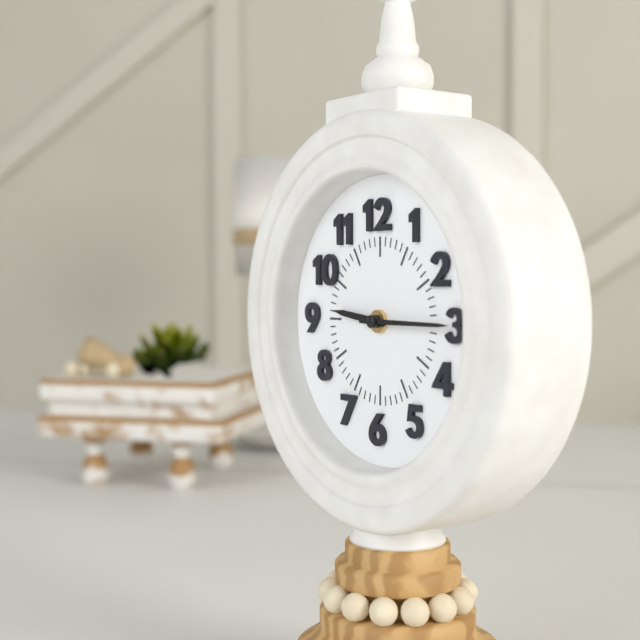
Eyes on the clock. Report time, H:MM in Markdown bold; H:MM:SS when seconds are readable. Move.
**9:15**
